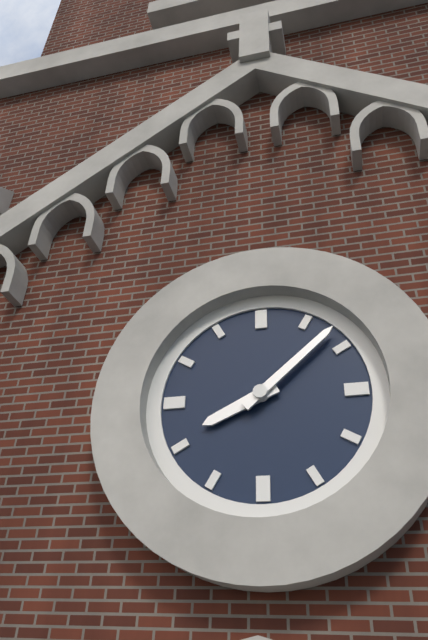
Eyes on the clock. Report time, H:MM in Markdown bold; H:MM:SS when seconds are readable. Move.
**8:08**
